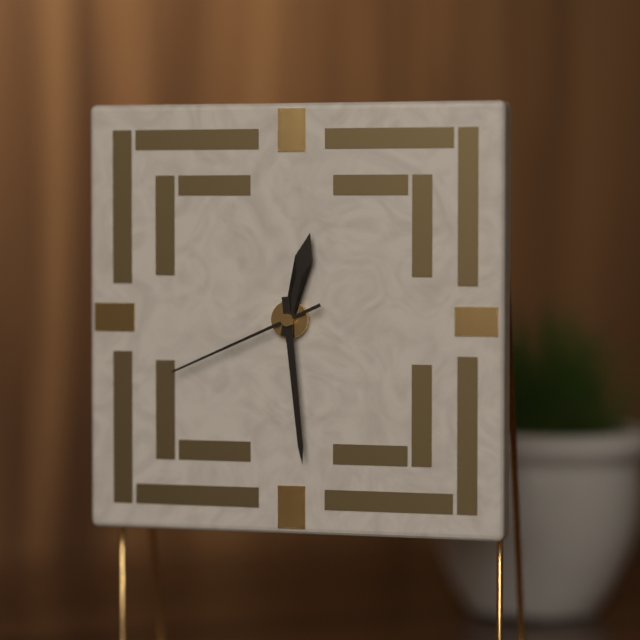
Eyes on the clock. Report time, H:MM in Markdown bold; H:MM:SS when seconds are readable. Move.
**12:29:41**
